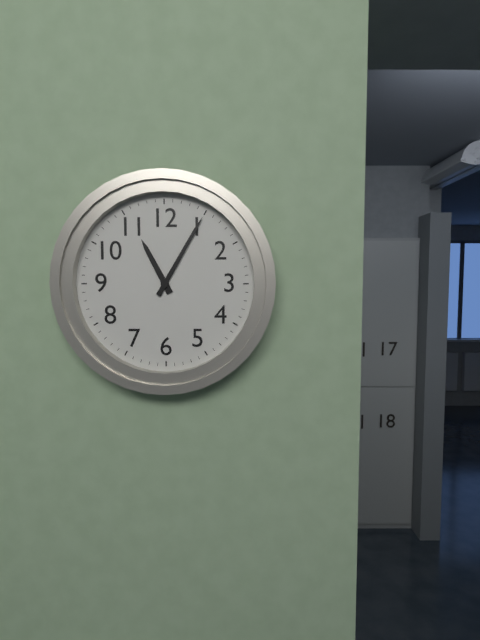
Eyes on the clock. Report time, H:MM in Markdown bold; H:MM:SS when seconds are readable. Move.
**11:05**
